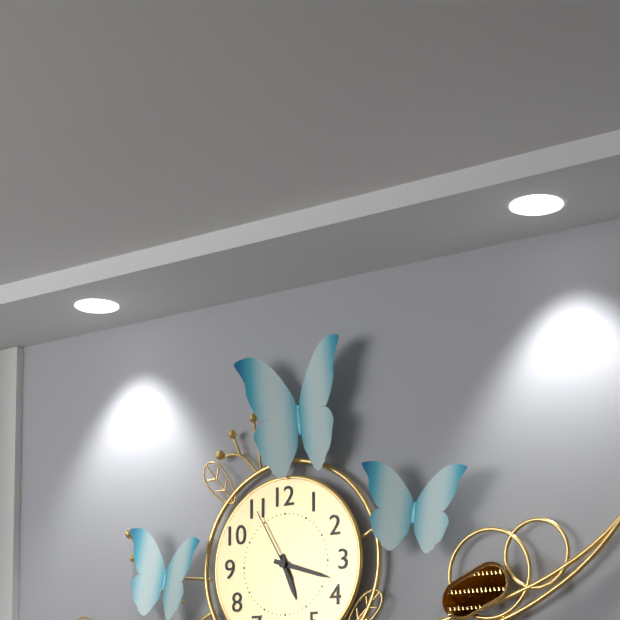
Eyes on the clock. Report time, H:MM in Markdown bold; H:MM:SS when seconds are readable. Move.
**5:18:55**
